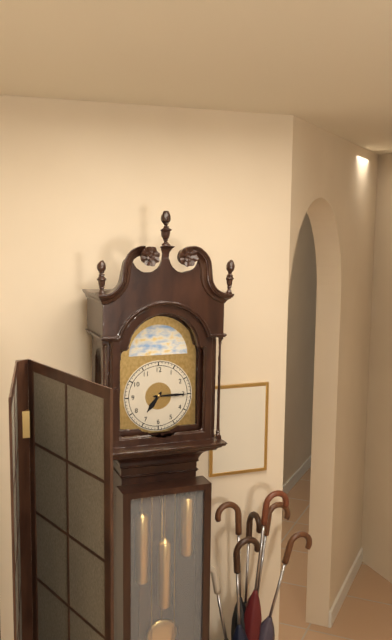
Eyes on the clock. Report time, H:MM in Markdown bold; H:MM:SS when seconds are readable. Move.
**7:15**
